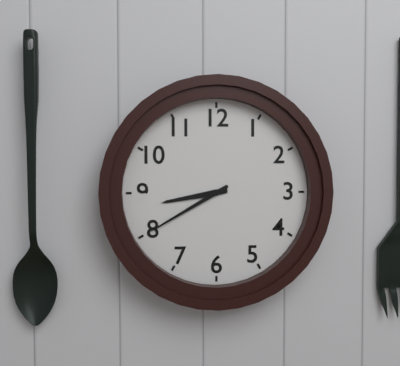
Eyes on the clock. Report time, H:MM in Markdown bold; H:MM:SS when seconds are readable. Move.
**8:40**
